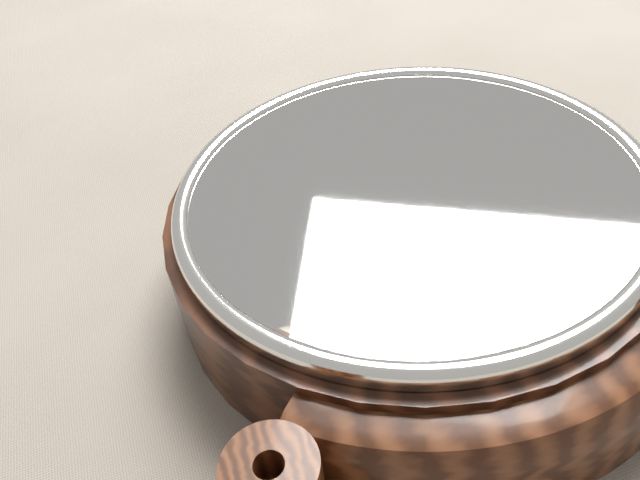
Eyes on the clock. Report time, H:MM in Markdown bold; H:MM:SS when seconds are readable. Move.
**12:00**
